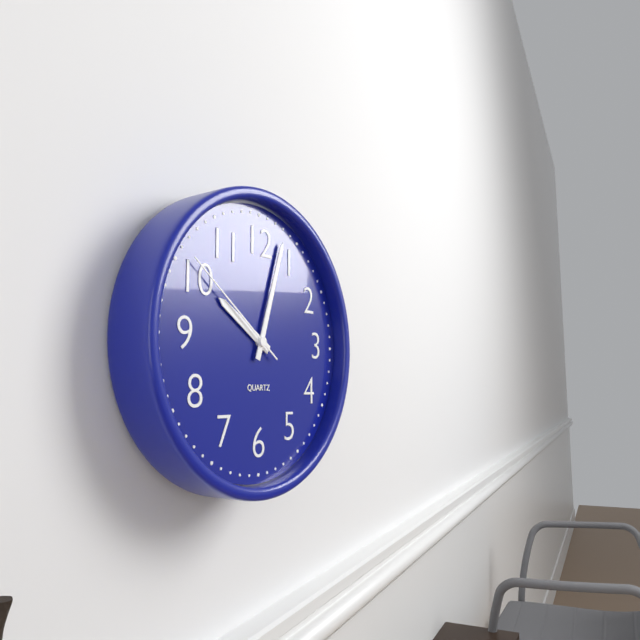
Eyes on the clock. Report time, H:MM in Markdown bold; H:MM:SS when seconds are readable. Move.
**10:03:51**
